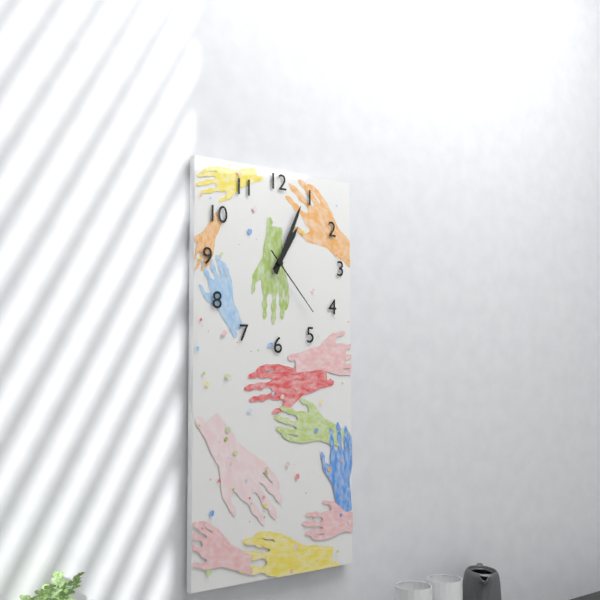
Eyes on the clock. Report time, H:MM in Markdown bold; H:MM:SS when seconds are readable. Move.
**1:04:23**
